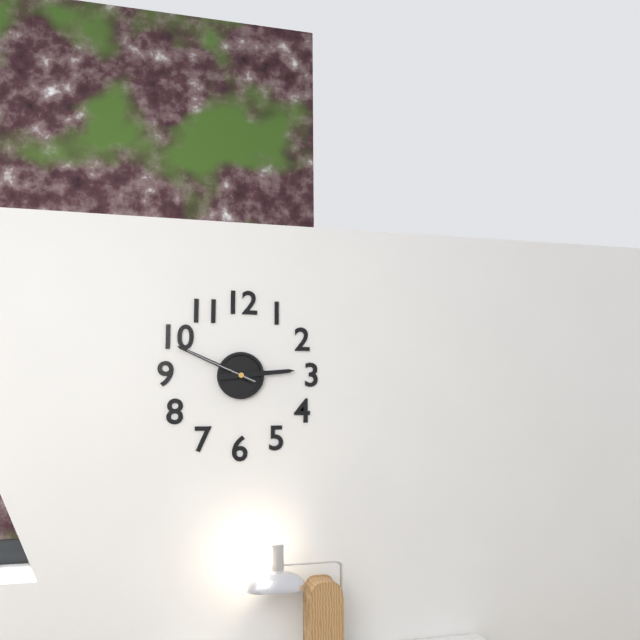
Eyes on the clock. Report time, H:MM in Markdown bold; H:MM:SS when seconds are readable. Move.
**2:49:49**
